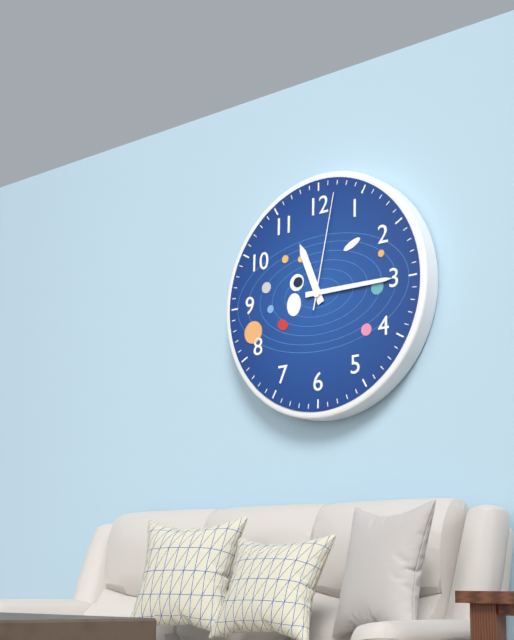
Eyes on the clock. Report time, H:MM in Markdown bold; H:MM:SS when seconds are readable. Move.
**11:15:02**
